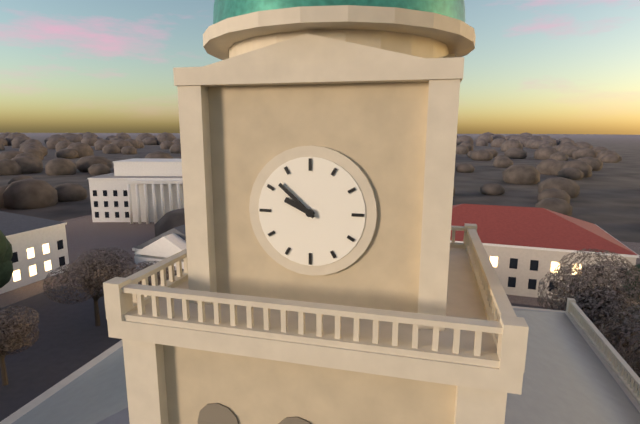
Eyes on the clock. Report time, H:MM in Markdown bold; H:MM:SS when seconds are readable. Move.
**9:52**
